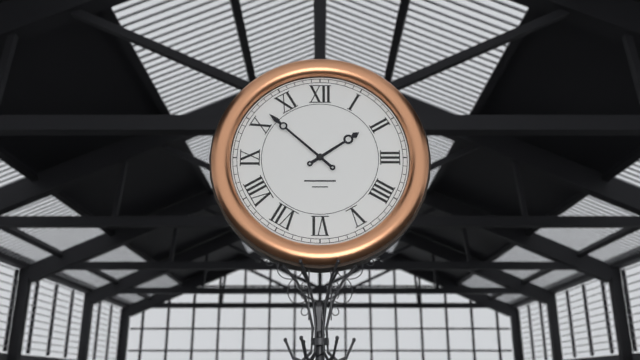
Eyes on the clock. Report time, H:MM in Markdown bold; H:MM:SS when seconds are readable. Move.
**1:52**
